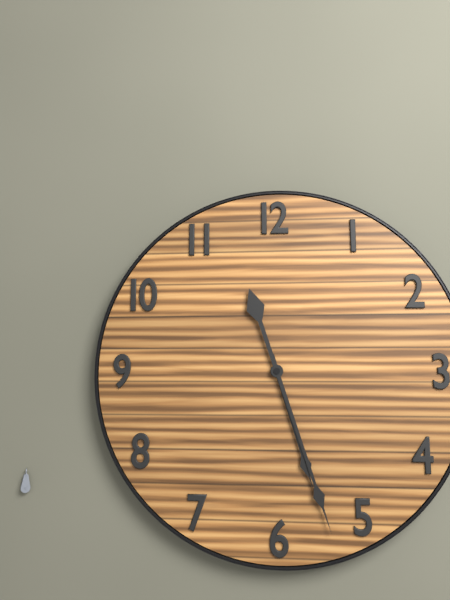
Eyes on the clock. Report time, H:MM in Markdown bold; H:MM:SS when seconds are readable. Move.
**5:27**
